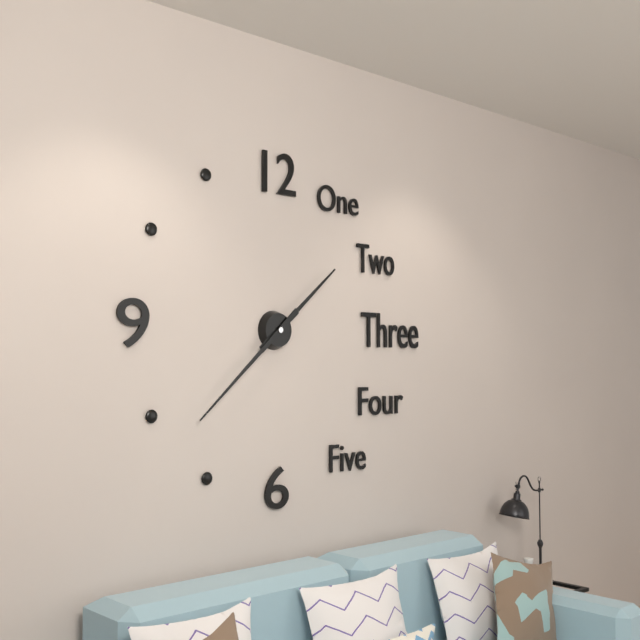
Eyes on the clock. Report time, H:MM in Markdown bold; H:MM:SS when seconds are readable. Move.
**1:38**
